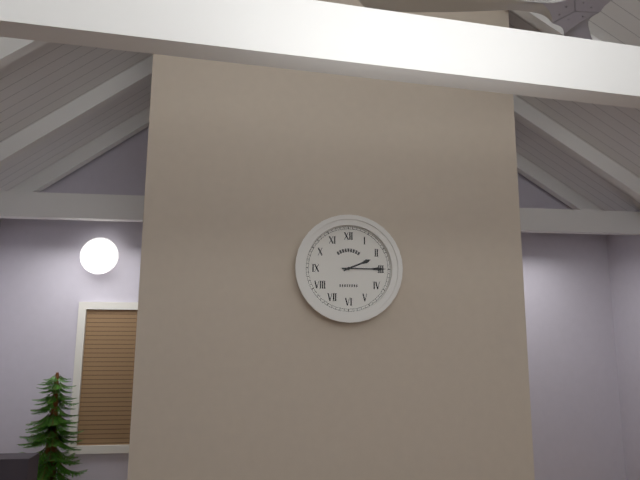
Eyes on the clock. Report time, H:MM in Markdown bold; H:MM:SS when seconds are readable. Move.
**2:15**
